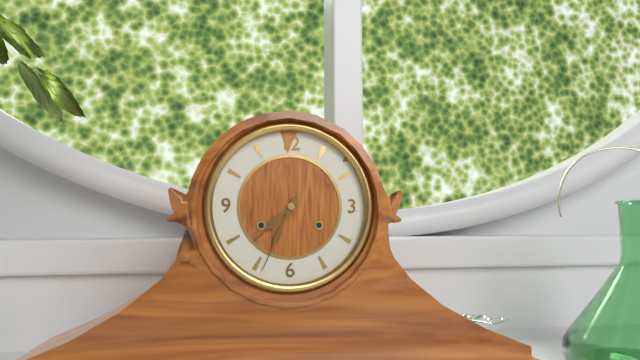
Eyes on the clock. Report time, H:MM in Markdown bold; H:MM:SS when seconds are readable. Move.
**7:34**
